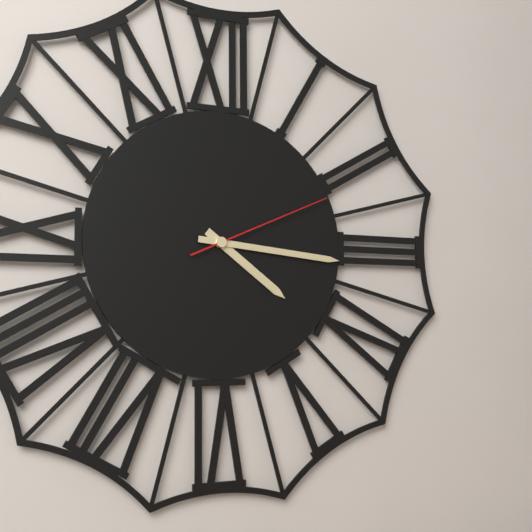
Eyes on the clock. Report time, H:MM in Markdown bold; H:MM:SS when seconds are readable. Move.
**4:16:11**
